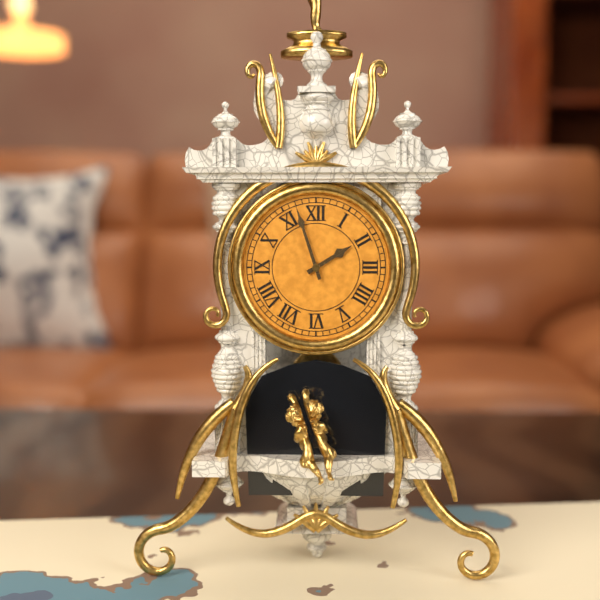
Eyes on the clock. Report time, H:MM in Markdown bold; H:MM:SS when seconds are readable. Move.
**1:57**
